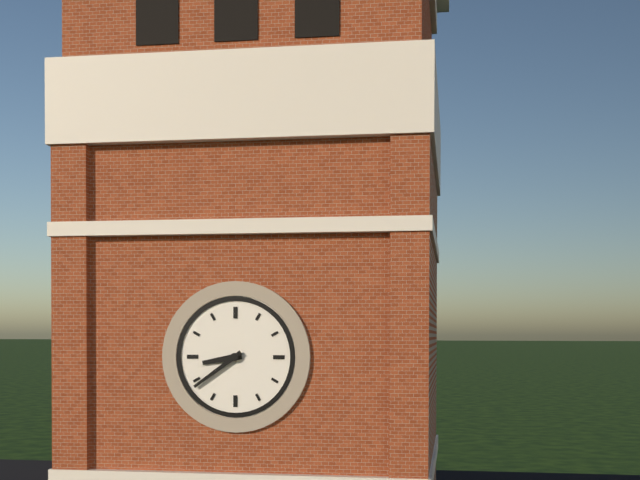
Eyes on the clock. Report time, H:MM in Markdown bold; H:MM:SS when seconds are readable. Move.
**8:39**
